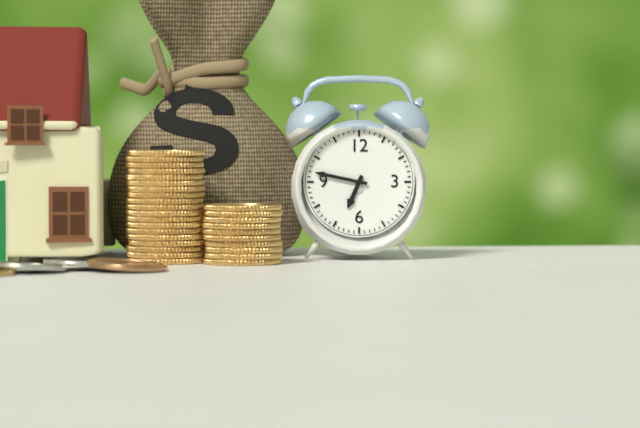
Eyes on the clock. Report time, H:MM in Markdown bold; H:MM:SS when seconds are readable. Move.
**6:47**
